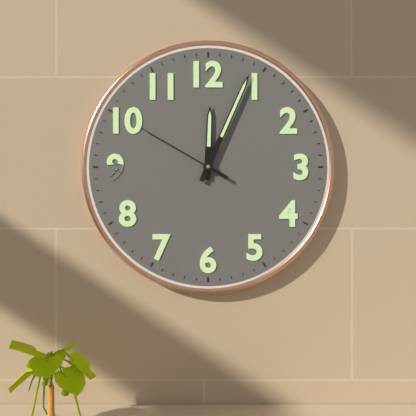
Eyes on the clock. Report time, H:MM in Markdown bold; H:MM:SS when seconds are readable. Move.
**12:04:50**
